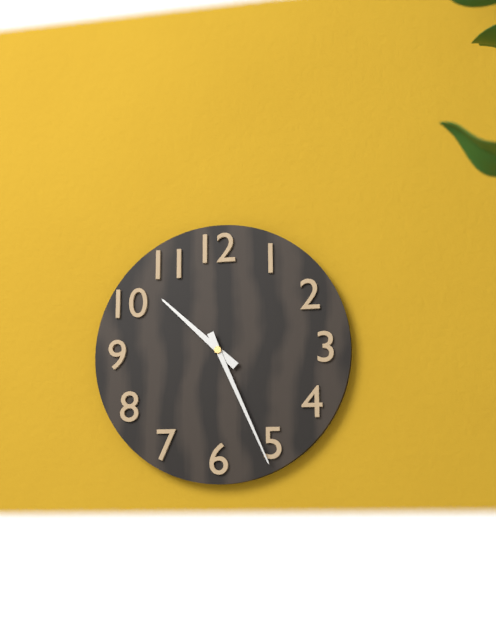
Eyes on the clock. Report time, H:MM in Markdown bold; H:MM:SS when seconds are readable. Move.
**10:26**
